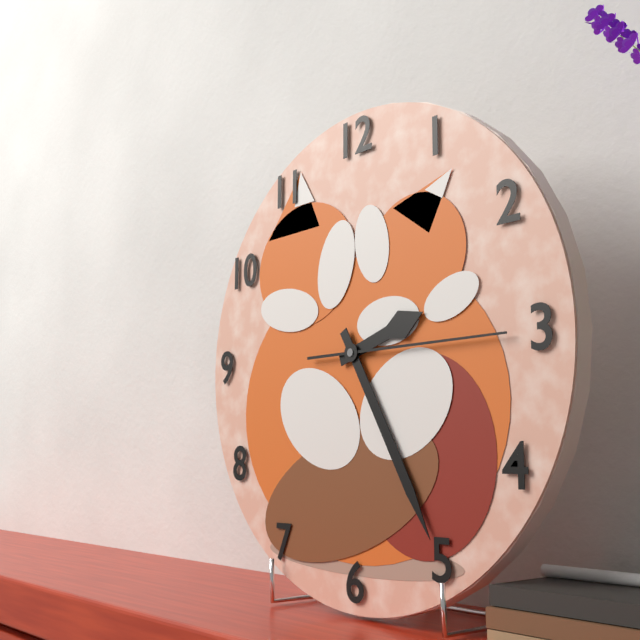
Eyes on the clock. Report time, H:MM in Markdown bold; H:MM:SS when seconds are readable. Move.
**2:25:15**
